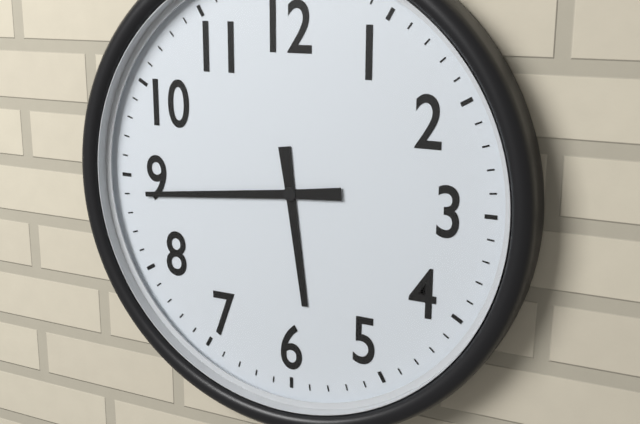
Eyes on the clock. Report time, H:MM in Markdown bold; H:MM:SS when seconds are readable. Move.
**5:44**
